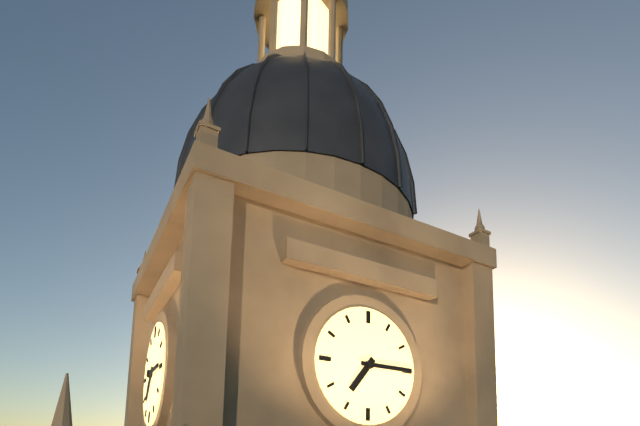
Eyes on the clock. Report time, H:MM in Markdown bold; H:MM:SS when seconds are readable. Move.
**7:15**
